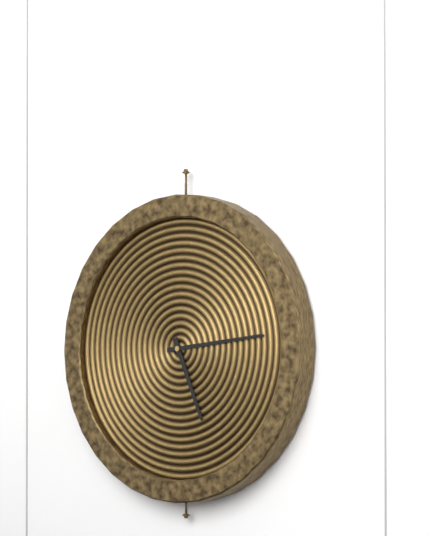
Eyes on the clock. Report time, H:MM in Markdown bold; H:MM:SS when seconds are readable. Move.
**5:14**
